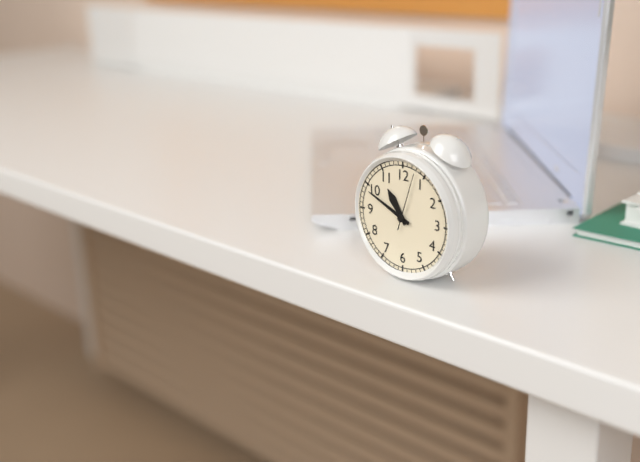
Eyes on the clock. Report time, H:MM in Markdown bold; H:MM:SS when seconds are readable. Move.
**10:49:03**
